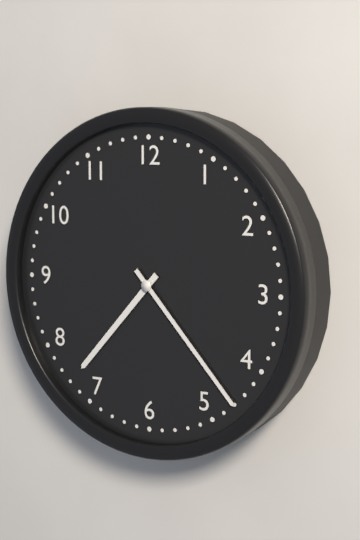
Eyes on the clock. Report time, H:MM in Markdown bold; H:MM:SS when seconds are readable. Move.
**7:23**
